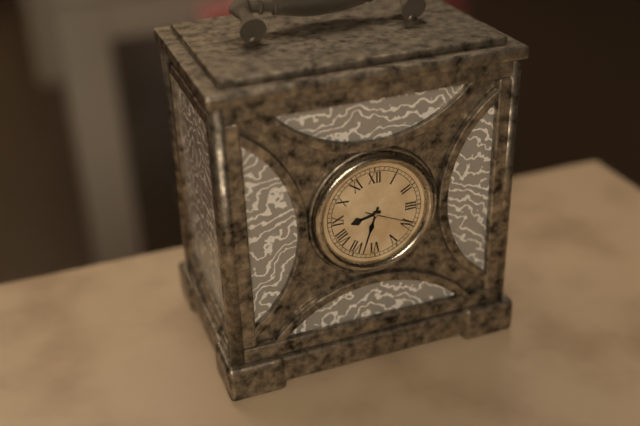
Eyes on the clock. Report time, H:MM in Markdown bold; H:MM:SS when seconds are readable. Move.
**8:33:19**
